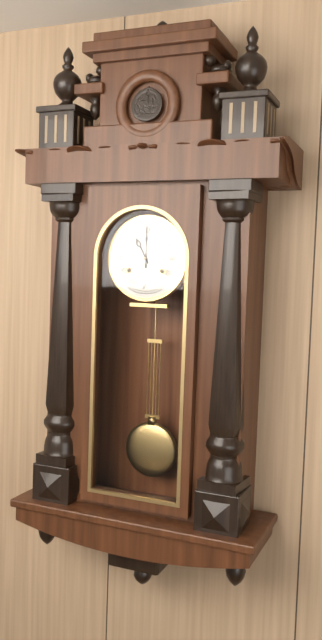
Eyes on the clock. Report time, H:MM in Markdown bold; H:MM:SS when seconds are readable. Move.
**11:00**
